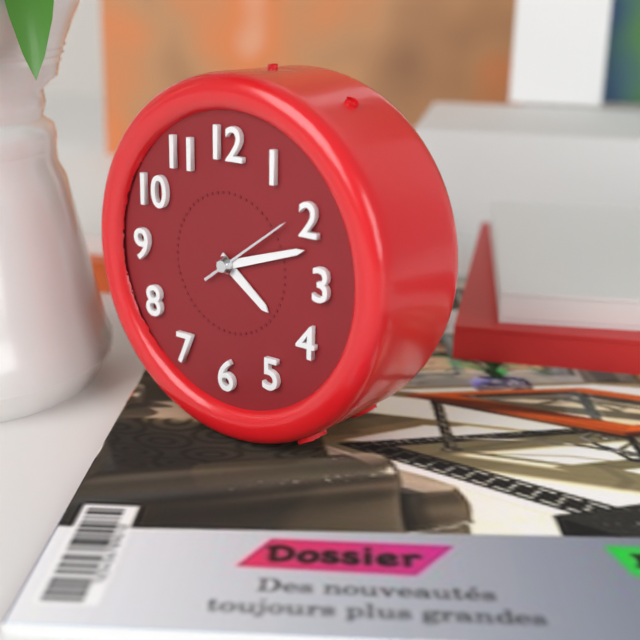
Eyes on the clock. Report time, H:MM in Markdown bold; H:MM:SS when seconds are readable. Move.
**4:12:09**
